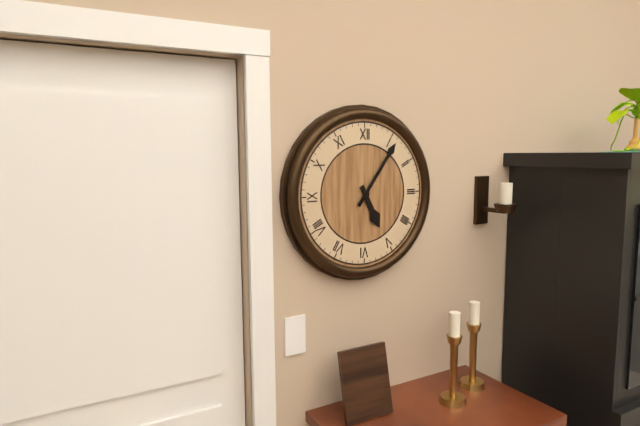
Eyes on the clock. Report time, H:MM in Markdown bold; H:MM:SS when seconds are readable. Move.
**5:06**
